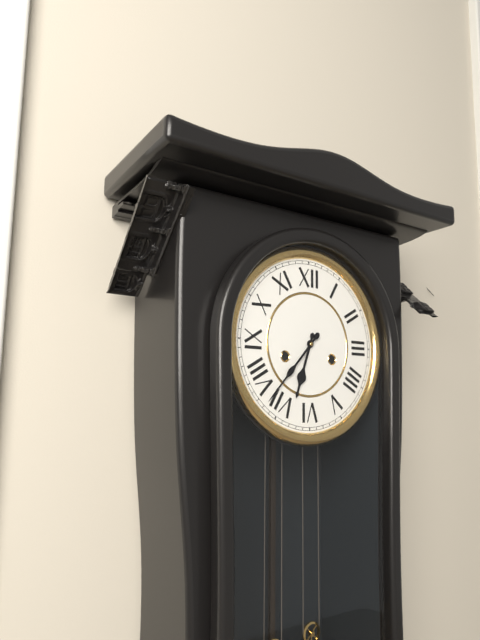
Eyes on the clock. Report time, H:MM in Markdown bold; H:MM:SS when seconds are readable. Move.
**6:37**
